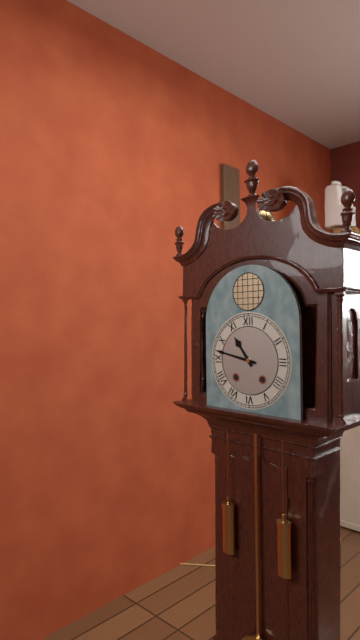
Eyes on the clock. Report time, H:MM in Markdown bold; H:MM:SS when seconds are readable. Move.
**10:47**
